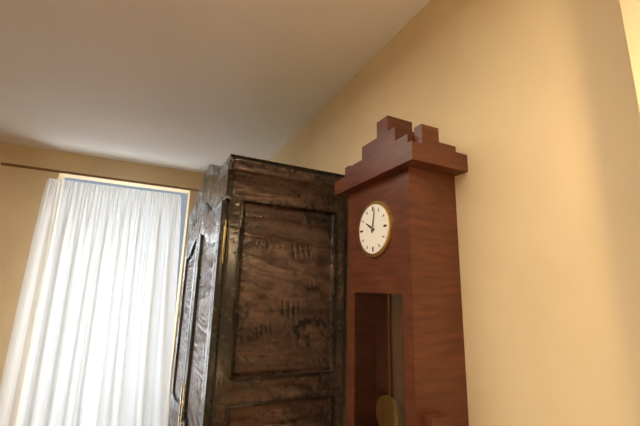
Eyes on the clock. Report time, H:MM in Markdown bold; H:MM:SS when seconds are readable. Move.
**10:02**
